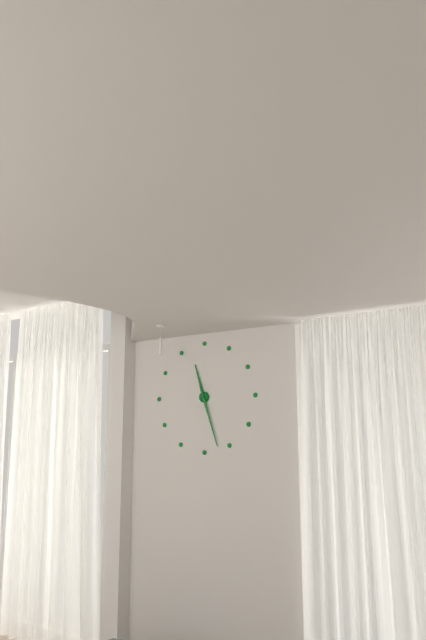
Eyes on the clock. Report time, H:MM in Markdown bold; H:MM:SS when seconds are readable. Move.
**11:27**
